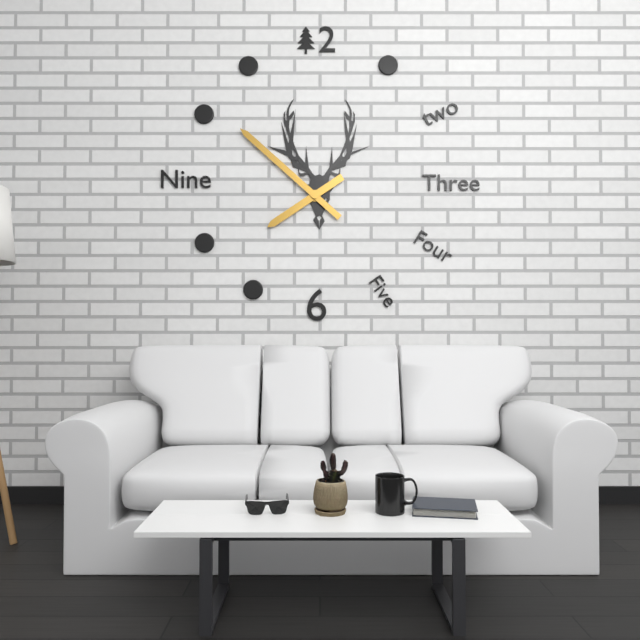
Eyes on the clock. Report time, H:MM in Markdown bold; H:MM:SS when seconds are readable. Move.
**7:52**
